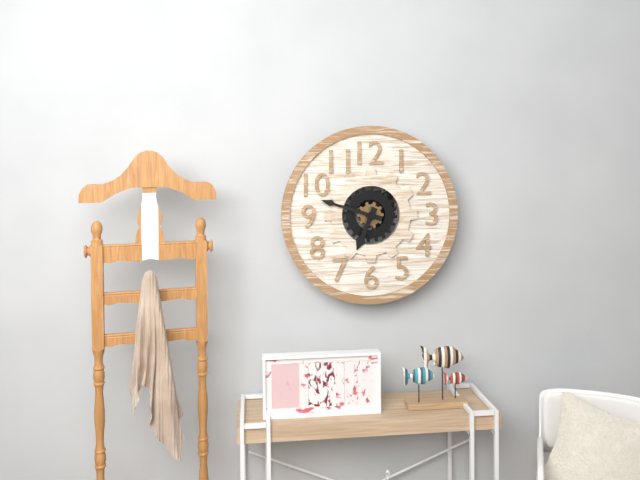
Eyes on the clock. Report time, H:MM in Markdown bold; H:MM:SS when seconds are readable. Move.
**6:48**
